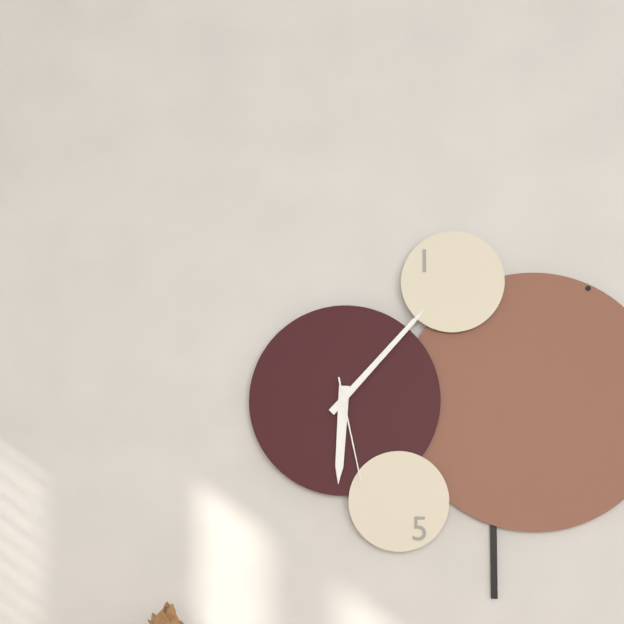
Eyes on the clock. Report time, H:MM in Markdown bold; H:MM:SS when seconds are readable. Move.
**6:07:28**
